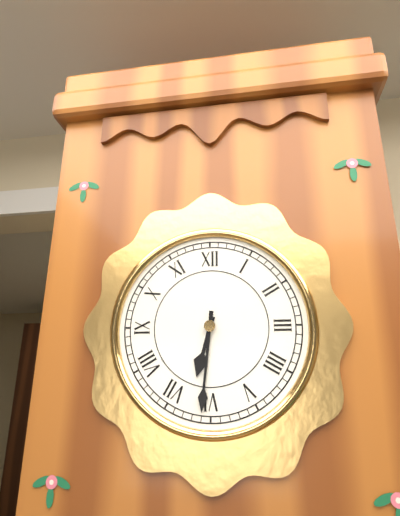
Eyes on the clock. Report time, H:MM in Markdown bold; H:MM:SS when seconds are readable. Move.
**6:31**
